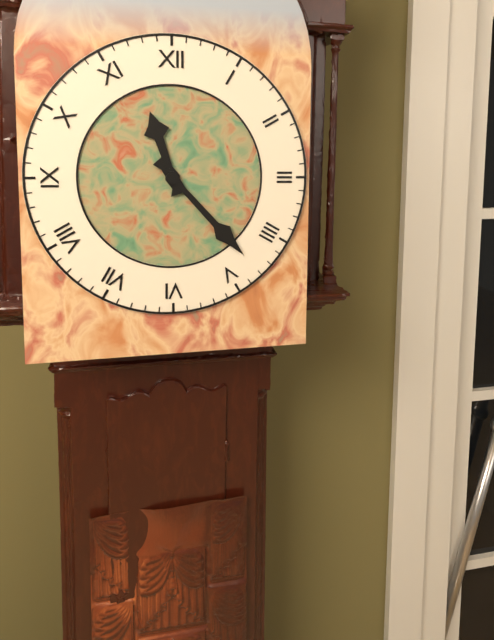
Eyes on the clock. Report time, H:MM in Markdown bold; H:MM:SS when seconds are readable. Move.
**11:23**
